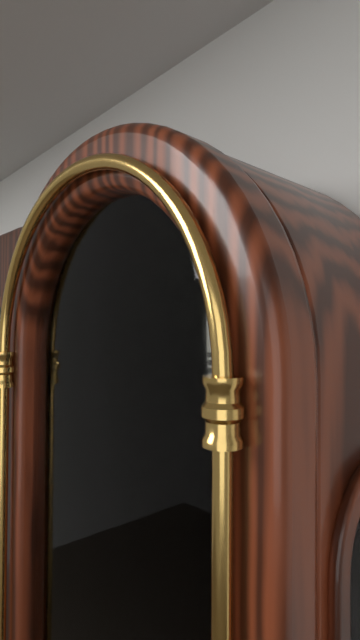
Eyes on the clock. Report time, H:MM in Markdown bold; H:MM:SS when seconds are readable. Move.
**8:30**
